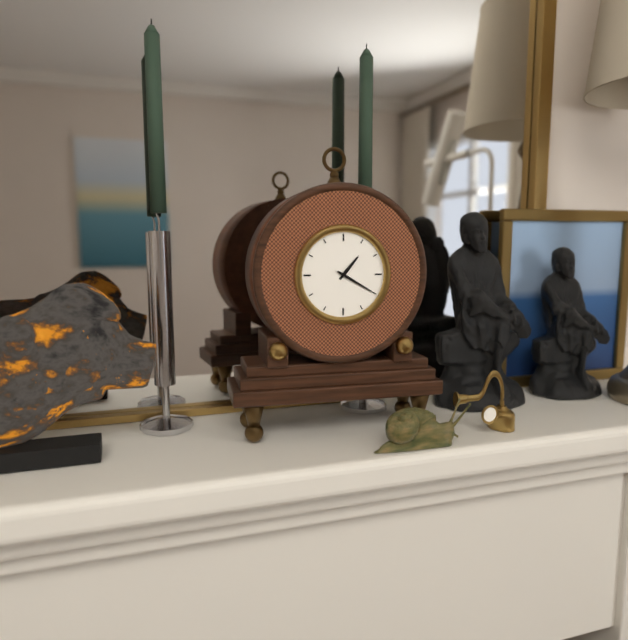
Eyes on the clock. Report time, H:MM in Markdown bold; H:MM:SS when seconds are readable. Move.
**1:20**
